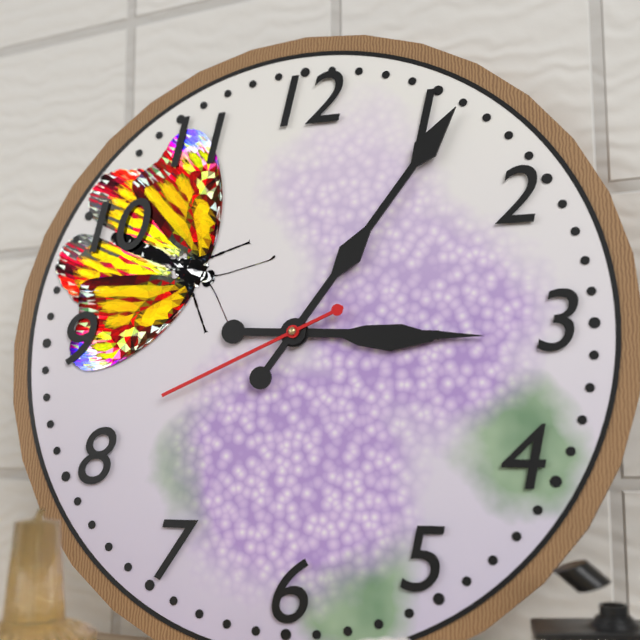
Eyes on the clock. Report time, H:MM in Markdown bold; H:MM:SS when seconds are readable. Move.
**3:06:41**
